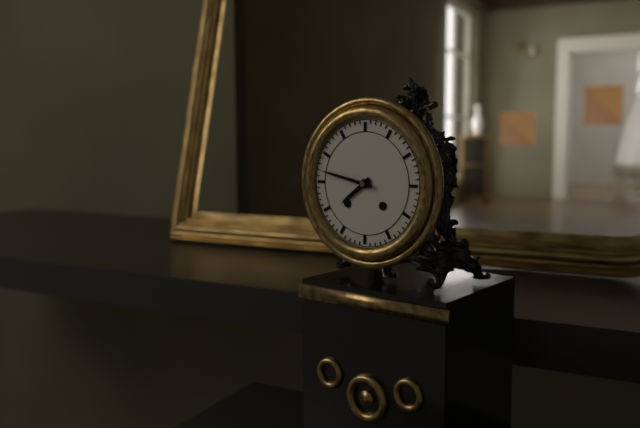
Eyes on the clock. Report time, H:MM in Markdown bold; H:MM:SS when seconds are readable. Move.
**7:47**
